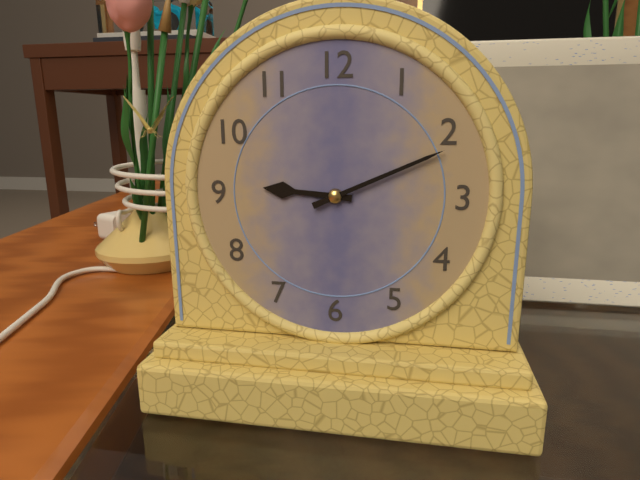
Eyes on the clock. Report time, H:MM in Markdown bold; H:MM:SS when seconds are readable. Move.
**9:11**
